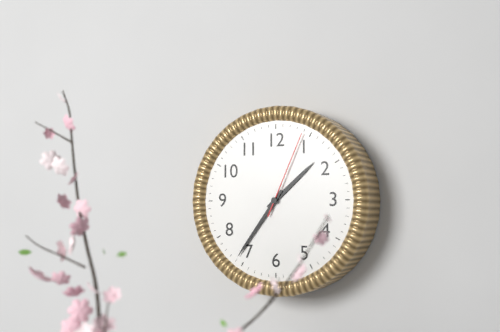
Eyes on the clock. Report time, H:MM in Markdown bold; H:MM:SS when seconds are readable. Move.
**1:36:04**
